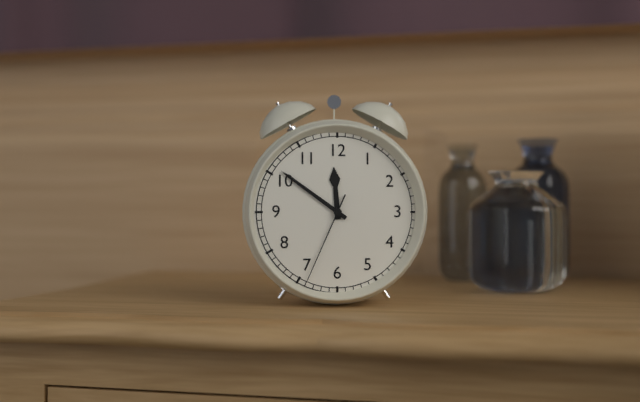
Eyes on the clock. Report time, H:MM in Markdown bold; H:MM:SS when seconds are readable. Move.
**11:51:34**
